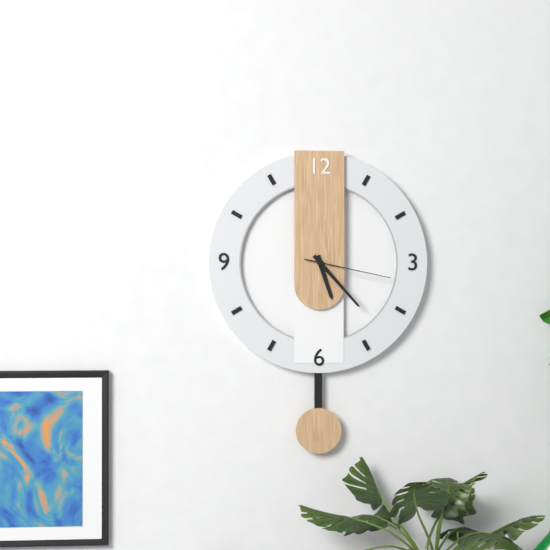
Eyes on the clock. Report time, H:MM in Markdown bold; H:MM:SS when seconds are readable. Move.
**5:23:17**
